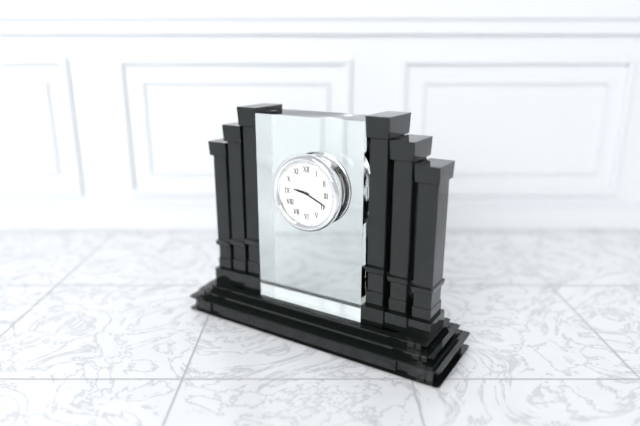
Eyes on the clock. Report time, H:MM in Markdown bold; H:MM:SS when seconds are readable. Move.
**9:19**
